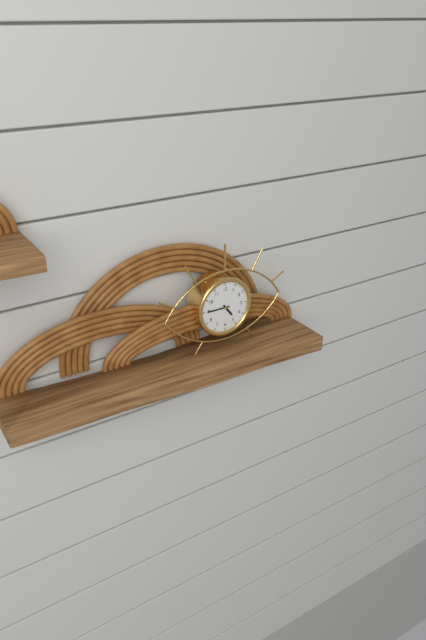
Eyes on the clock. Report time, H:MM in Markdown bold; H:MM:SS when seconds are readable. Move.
**4:45**
